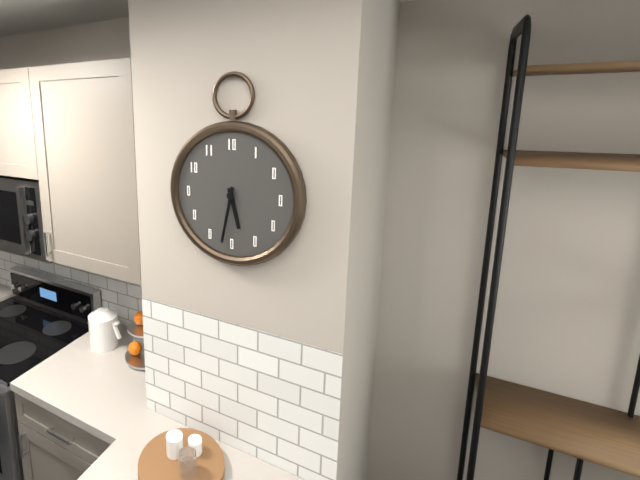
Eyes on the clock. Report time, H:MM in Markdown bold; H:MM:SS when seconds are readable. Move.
**5:32**
